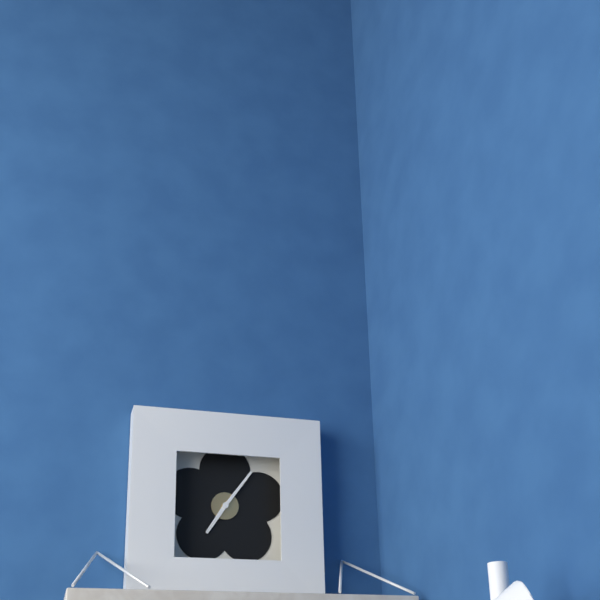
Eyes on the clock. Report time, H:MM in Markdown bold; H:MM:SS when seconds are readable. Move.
**7:06**
